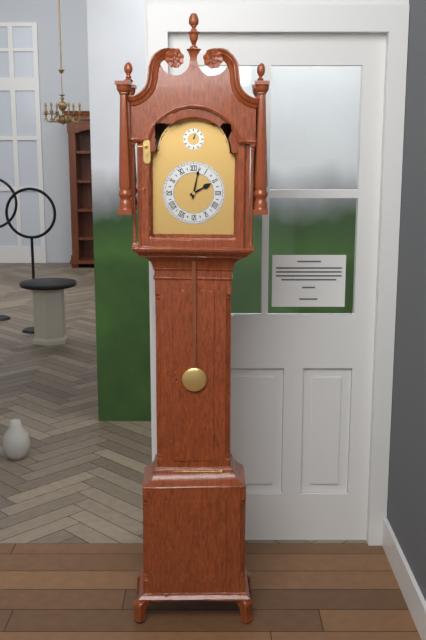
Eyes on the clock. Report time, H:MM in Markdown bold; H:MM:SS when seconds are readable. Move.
**2:02**
